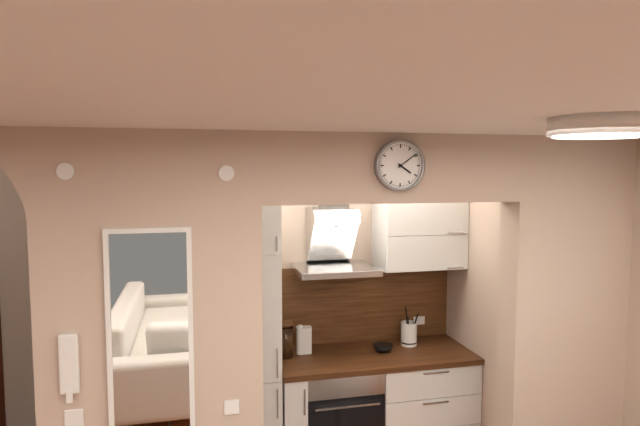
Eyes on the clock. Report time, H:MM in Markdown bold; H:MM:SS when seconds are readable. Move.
**4:09**
